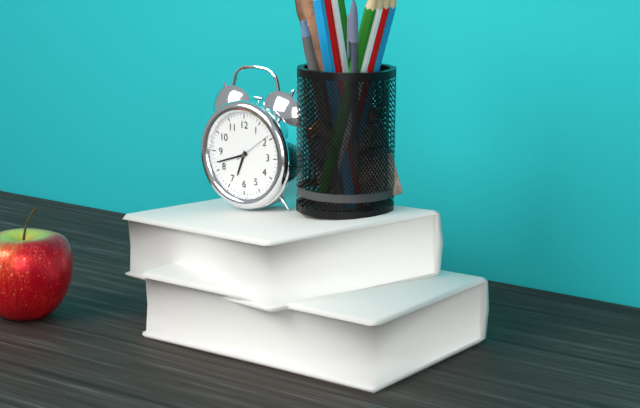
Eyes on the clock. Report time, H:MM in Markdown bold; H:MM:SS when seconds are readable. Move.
**6:42**
